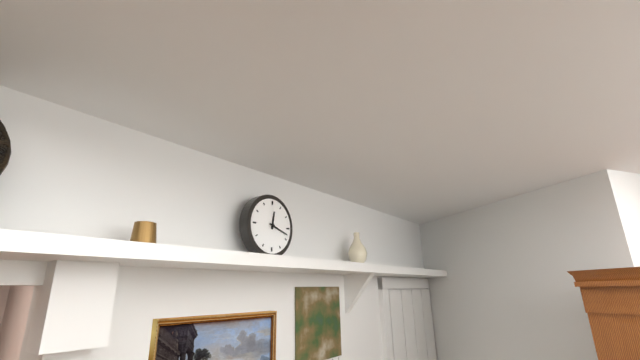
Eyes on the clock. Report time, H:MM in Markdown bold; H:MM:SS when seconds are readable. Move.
**12:18**
